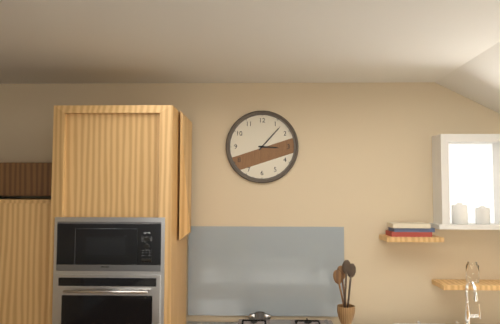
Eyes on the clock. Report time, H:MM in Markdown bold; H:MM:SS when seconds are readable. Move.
**3:07**
